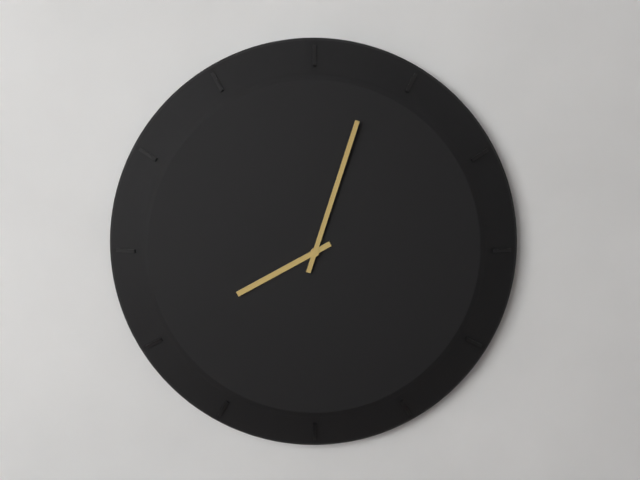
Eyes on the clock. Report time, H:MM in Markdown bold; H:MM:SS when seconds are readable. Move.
**8:03**
